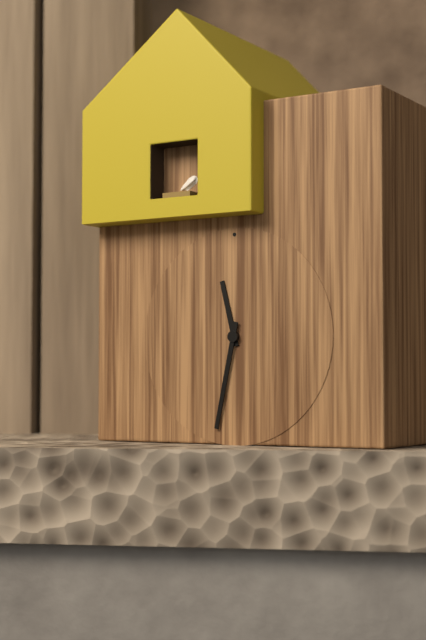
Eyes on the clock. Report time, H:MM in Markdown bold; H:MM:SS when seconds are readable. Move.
**11:32**
